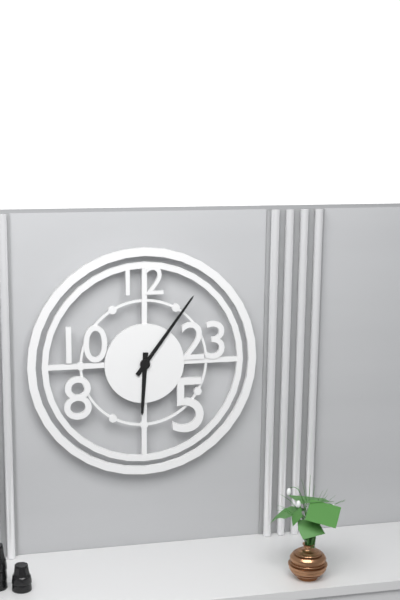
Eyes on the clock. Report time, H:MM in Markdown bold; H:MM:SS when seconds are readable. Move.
**6:06**
